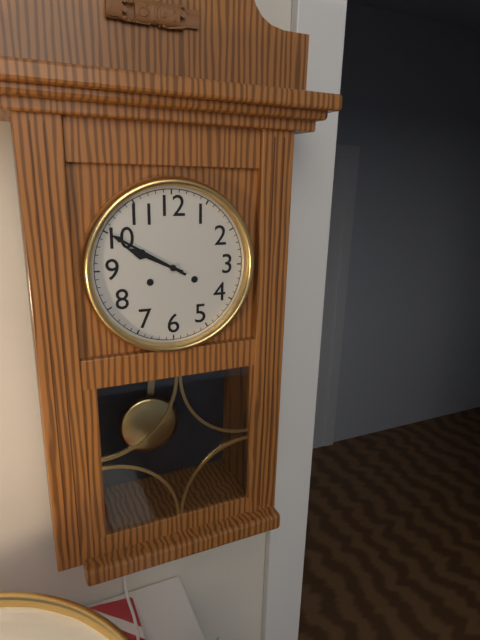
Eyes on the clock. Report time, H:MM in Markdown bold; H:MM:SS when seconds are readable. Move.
**9:50**
